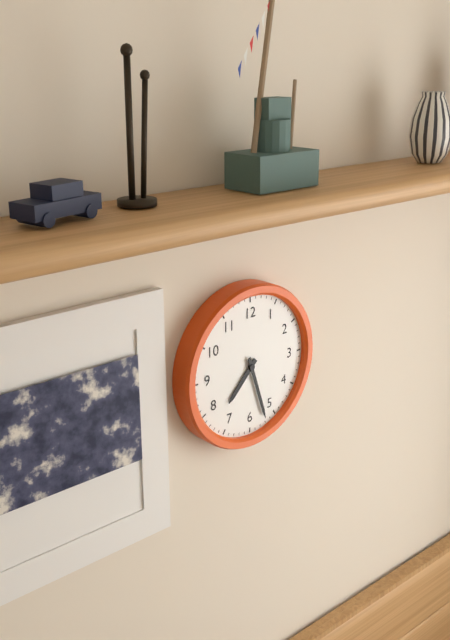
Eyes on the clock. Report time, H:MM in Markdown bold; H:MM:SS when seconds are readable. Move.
**7:27**
